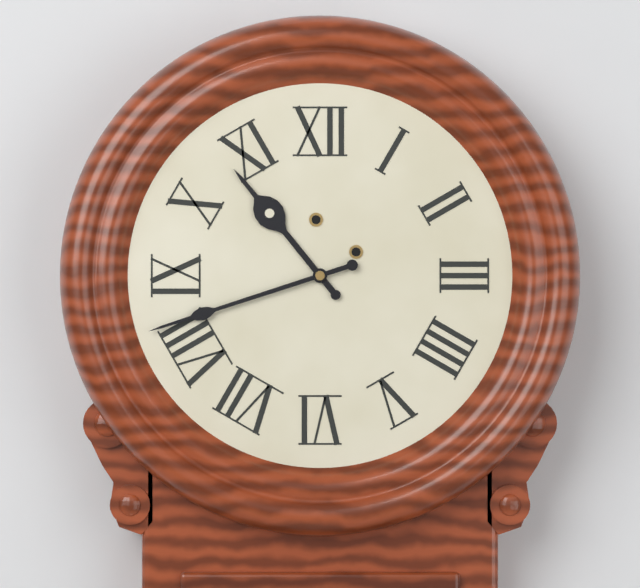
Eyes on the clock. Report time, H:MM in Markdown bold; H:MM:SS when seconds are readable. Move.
**10:42**
